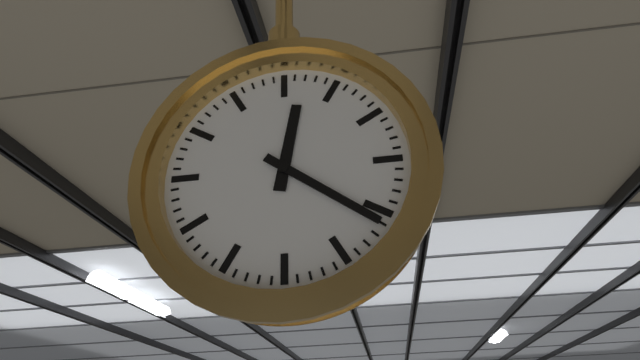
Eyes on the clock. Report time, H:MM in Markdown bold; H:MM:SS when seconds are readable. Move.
**12:21**
